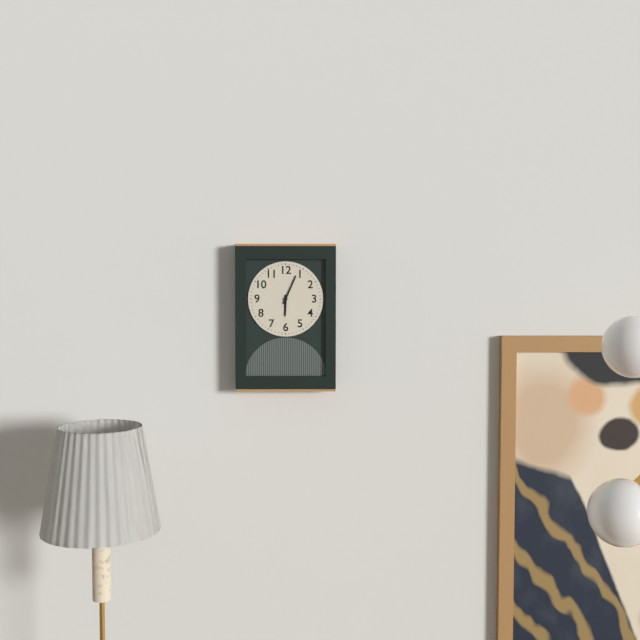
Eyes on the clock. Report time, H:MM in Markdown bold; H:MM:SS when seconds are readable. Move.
**6:04**
